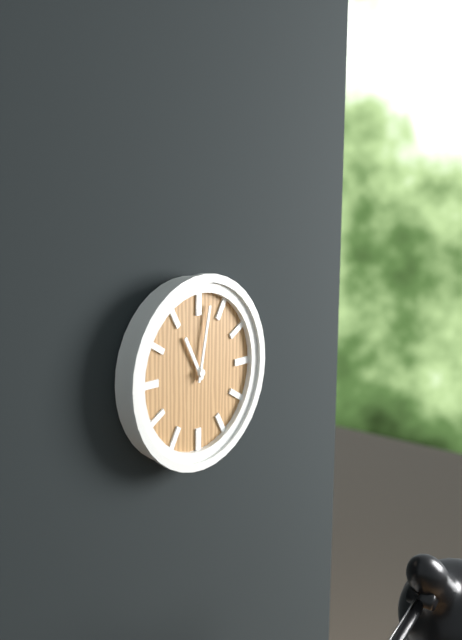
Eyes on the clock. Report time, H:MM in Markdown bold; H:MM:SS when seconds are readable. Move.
**11:02**
